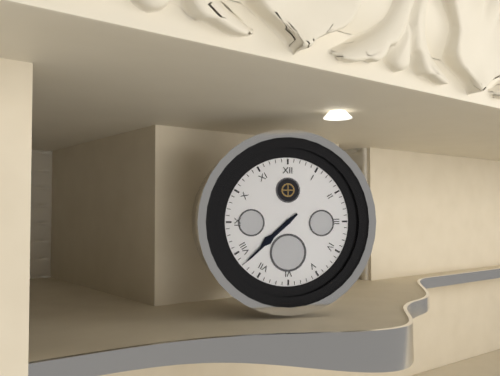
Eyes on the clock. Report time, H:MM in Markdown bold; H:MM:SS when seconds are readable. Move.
**7:38**
